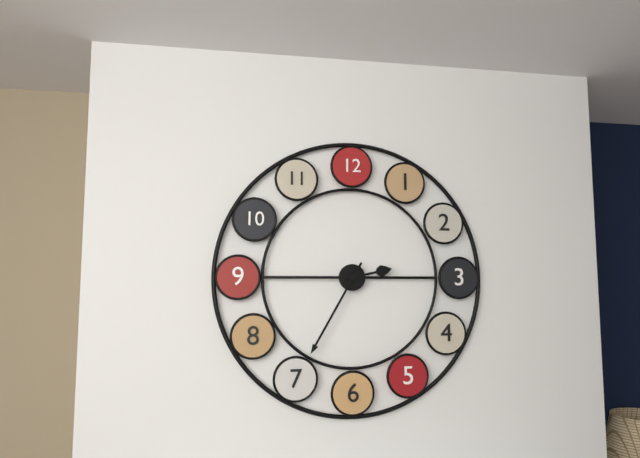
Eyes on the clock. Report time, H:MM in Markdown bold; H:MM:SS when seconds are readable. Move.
**2:35**
